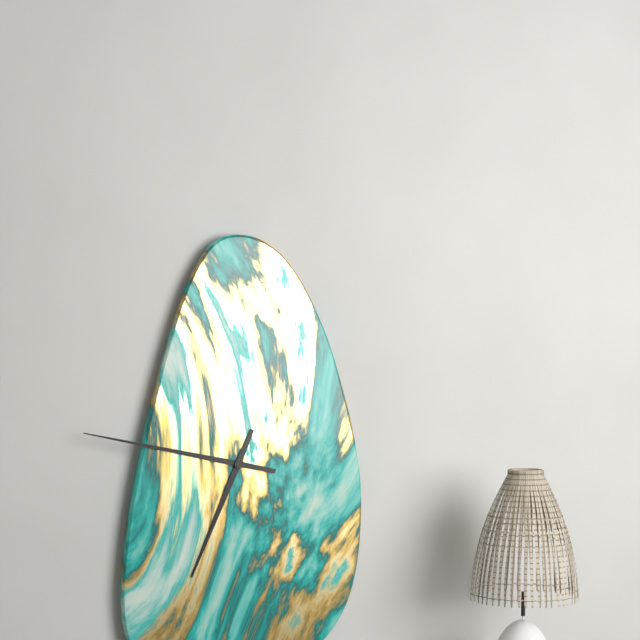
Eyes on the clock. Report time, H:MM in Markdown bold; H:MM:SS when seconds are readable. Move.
**6:47**
